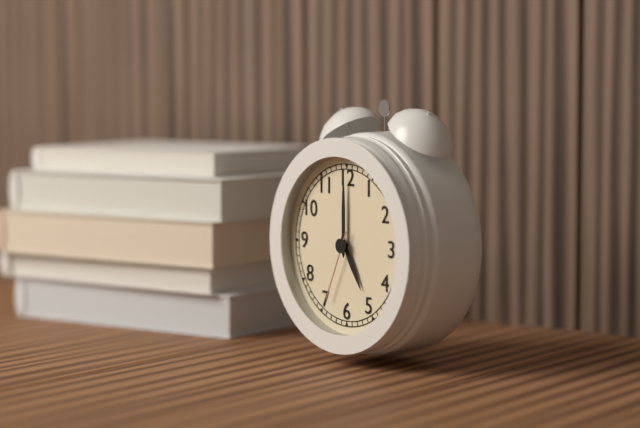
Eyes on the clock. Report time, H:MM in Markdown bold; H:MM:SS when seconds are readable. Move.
**5:00:34**
